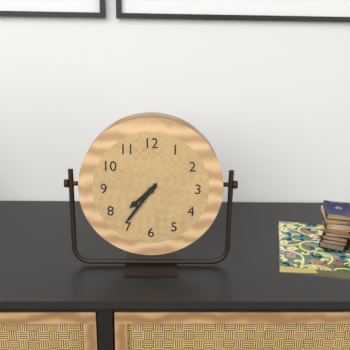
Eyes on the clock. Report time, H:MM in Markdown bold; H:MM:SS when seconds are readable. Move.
**7:36**
